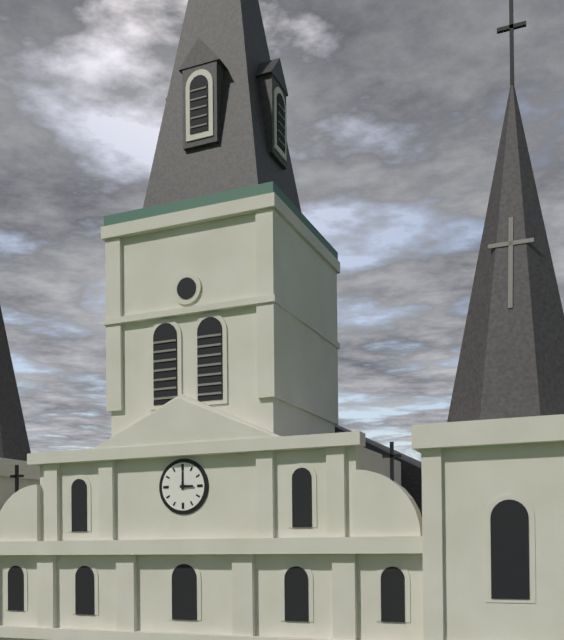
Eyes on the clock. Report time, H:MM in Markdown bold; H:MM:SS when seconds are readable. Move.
**3:00**
